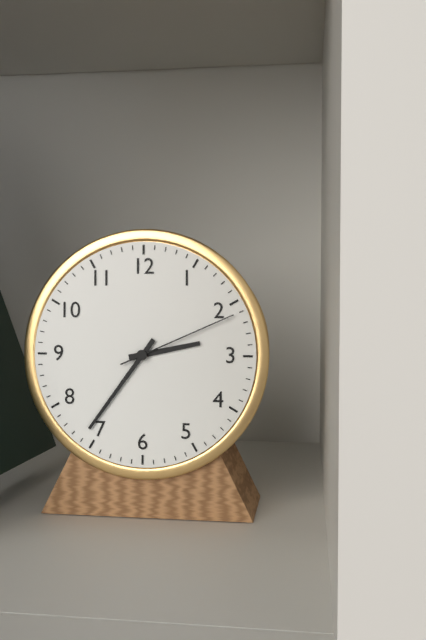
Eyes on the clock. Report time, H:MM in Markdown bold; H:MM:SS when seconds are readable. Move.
**2:36:11**
